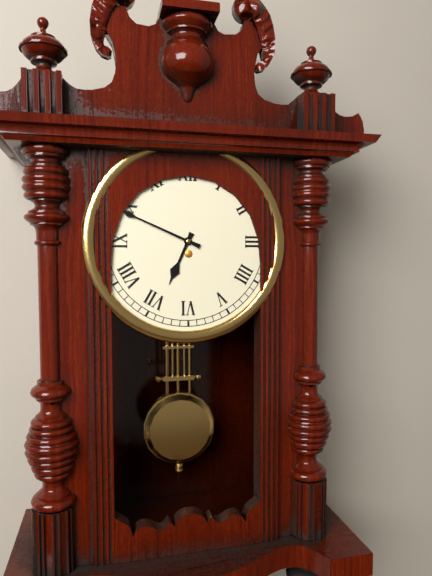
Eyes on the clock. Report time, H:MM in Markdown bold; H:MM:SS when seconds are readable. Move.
**6:49**
